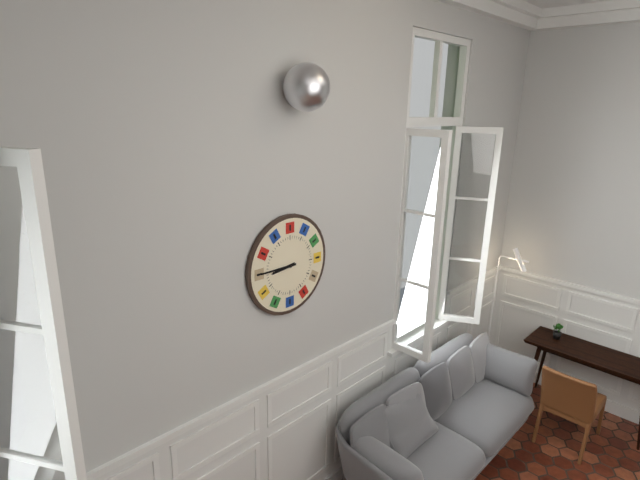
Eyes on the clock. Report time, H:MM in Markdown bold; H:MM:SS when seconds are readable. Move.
**8:45**
